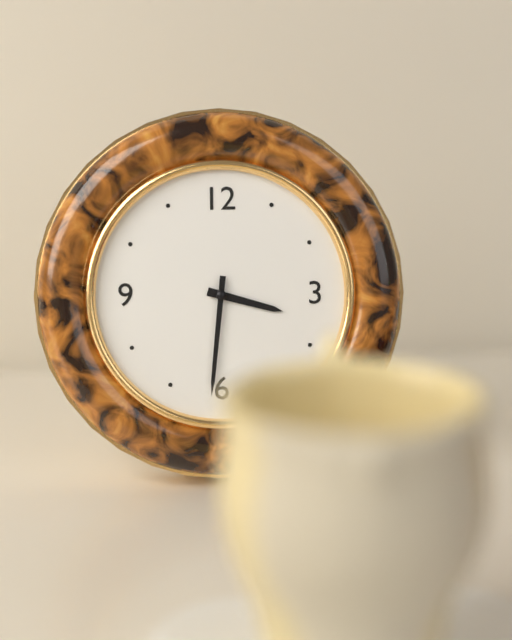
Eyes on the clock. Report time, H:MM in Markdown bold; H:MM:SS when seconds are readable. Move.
**3:31**
